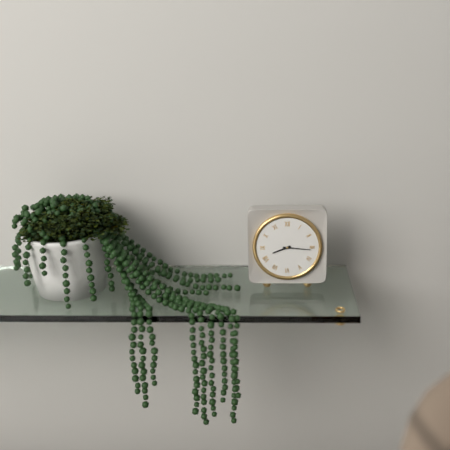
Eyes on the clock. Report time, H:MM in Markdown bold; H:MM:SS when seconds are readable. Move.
**8:16**
